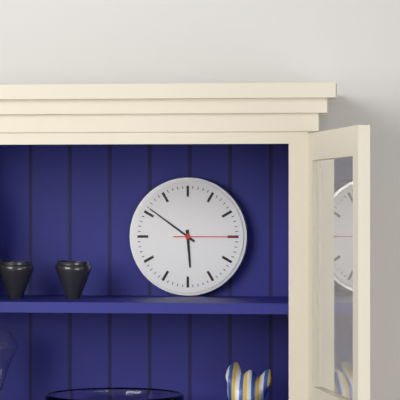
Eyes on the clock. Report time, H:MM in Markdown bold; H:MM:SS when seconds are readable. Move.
**5:51:15**
